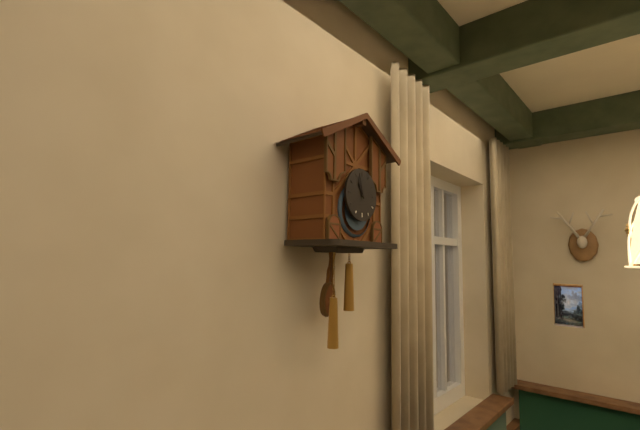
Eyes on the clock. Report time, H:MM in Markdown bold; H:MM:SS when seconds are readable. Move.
**10:57**
